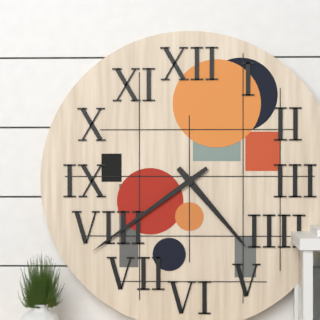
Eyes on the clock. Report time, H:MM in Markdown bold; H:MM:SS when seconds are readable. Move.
**4:39**
